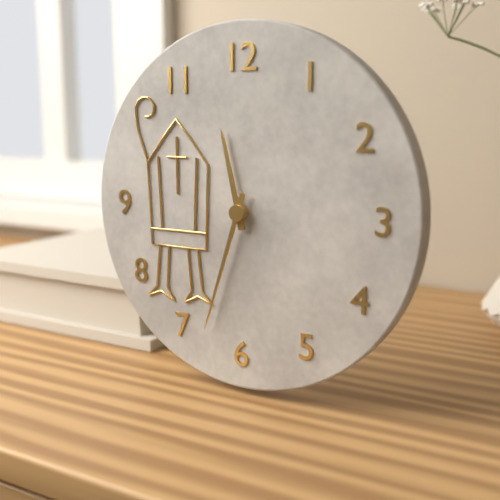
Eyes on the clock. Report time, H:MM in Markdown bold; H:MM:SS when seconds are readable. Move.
**11:33**
